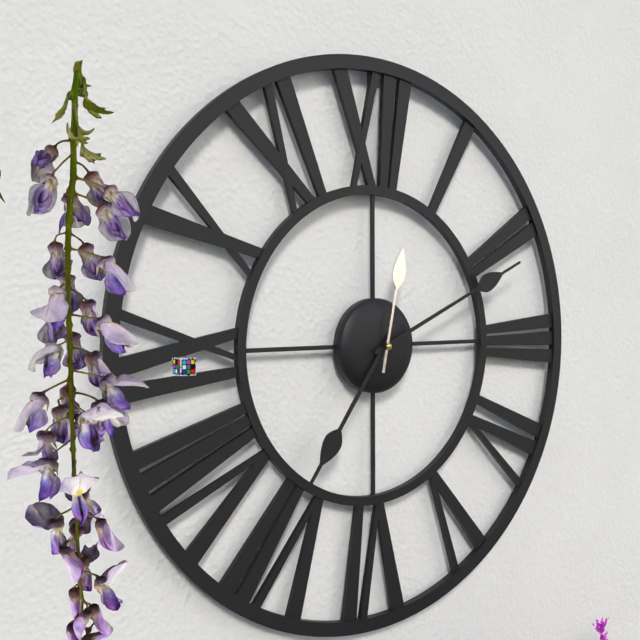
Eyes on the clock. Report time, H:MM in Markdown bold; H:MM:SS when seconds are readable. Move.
**7:11:02**
